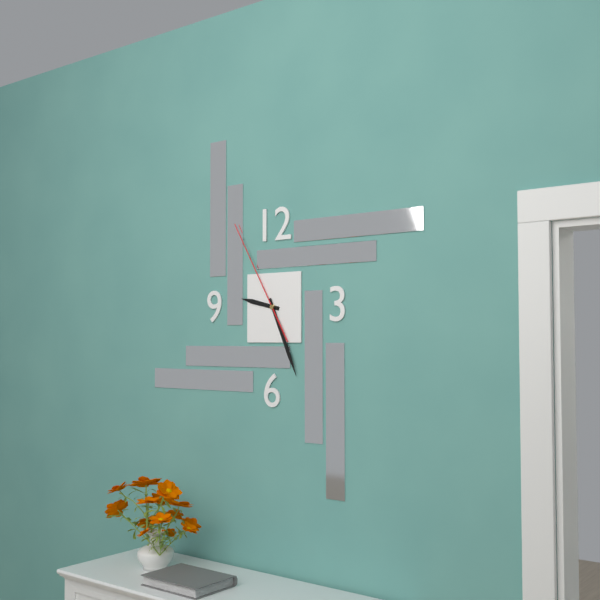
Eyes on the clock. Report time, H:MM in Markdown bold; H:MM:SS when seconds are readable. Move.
**9:26:55**
